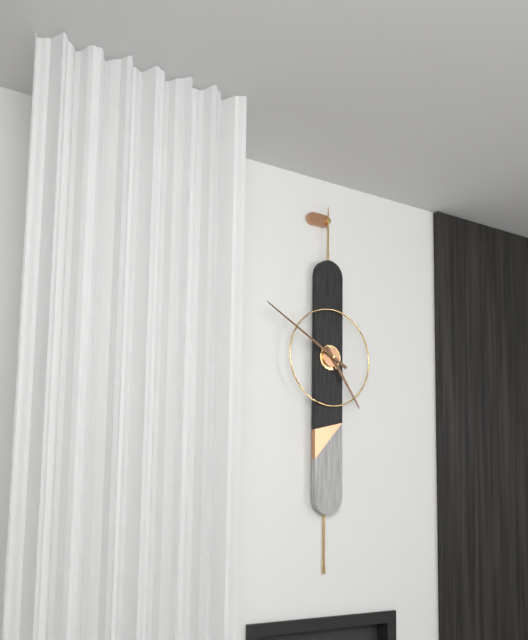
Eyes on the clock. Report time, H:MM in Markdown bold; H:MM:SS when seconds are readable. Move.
**4:50**
